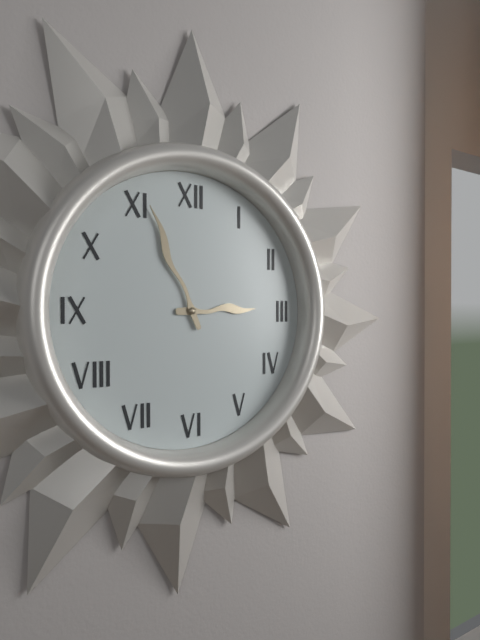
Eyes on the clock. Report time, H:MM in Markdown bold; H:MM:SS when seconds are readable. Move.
**2:56**
